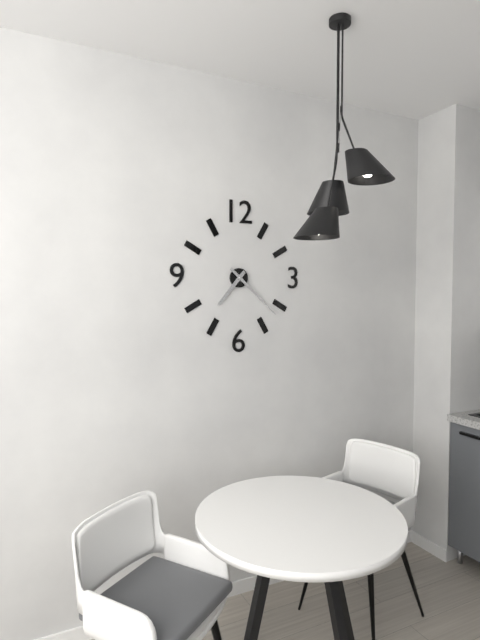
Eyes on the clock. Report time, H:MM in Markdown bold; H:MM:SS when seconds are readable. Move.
**7:22**
